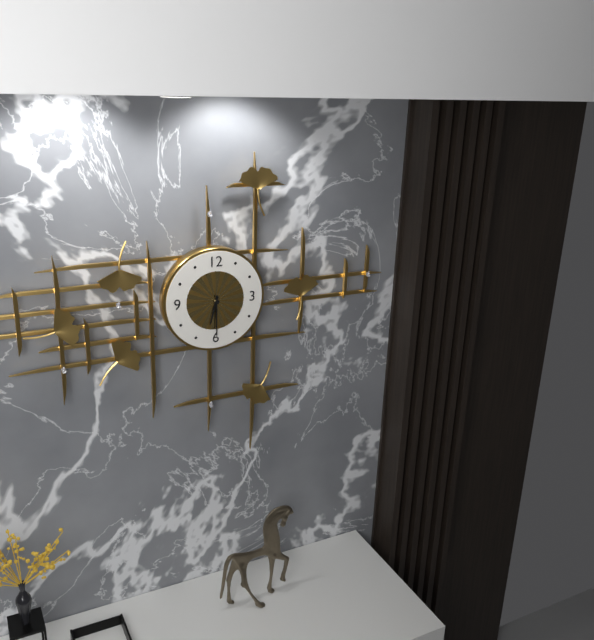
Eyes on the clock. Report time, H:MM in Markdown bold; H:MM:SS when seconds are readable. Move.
**6:30**
